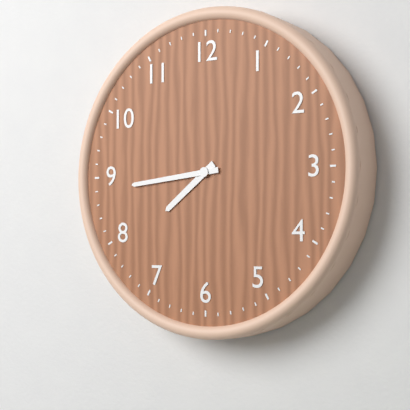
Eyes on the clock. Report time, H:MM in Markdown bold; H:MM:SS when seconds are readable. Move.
**7:44**
